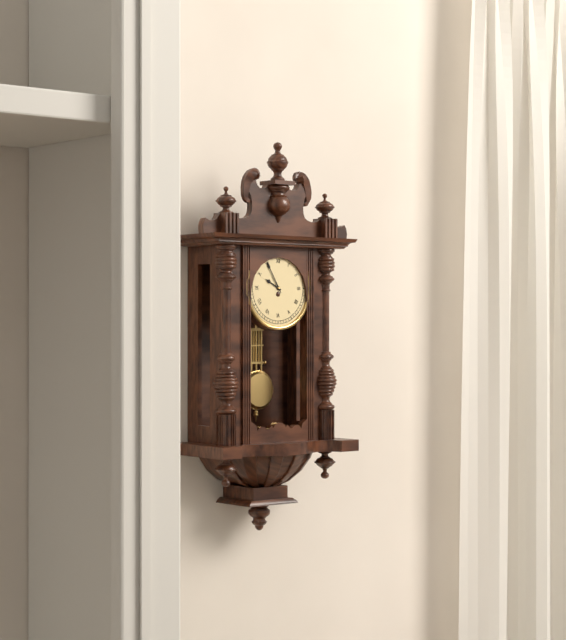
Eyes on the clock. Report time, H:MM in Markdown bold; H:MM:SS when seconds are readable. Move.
**9:55**
